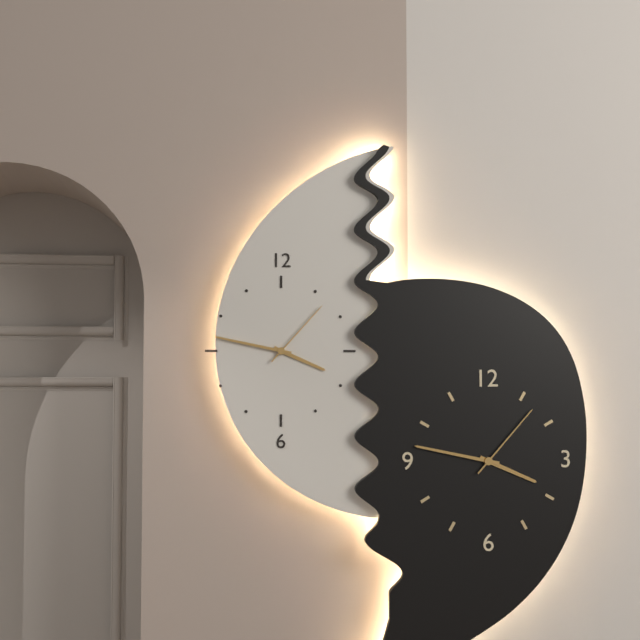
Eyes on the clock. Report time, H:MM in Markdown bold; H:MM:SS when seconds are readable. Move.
**3:47:07**
